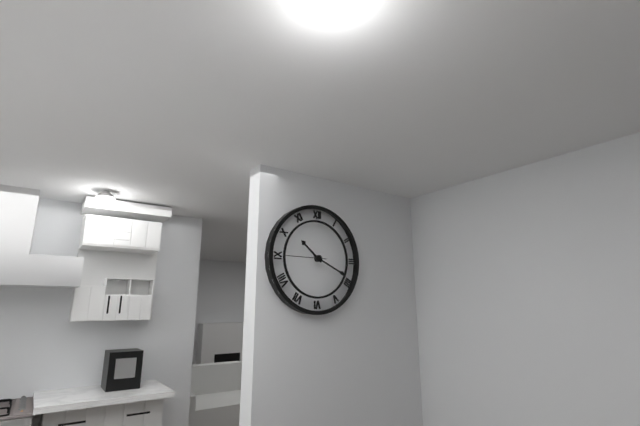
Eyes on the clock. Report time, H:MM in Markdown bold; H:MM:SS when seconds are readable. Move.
**10:19**
